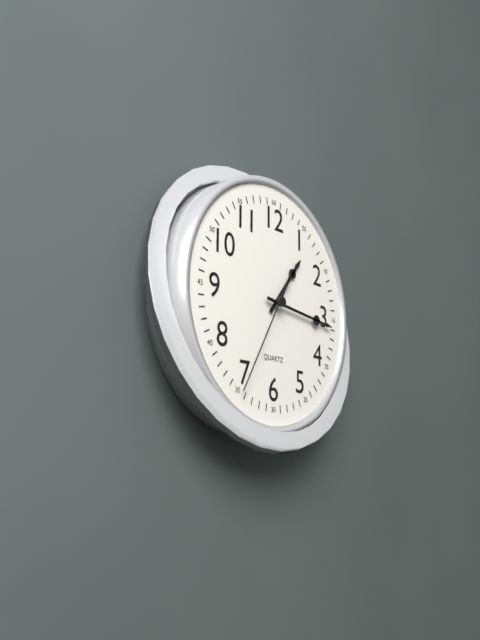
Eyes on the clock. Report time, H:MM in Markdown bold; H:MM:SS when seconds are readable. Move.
**1:16:35**
